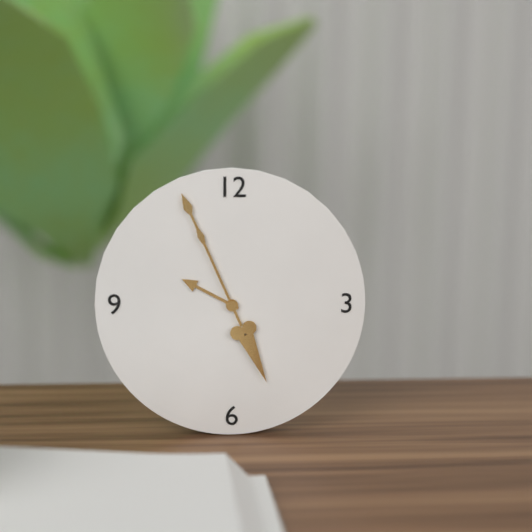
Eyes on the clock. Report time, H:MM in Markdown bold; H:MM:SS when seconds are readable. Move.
**9:56**
